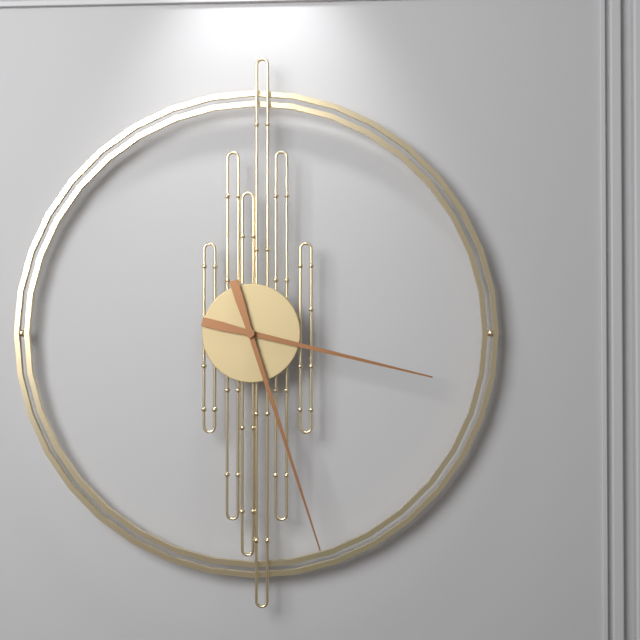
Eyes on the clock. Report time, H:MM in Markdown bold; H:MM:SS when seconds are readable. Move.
**3:27**
